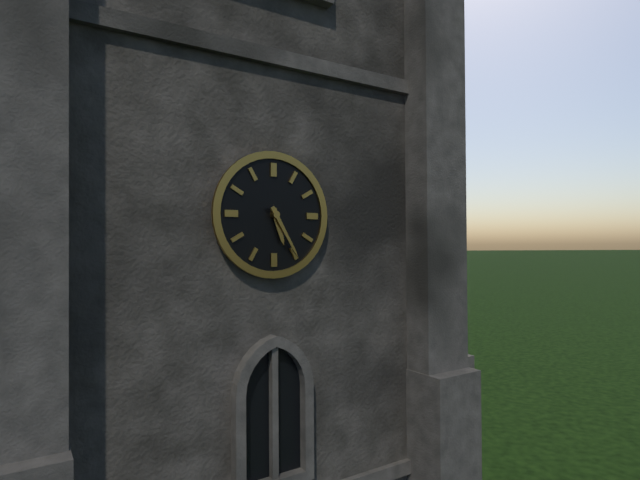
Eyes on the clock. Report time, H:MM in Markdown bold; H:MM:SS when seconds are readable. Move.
**5:25**
